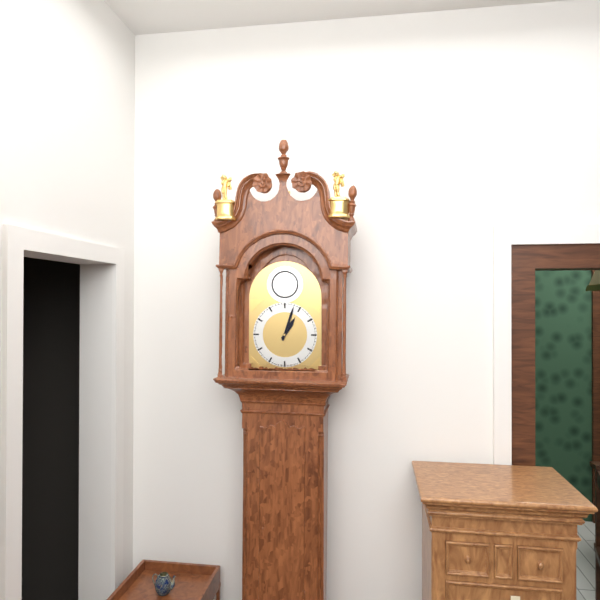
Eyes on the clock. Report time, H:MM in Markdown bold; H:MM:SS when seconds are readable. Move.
**1:03**
